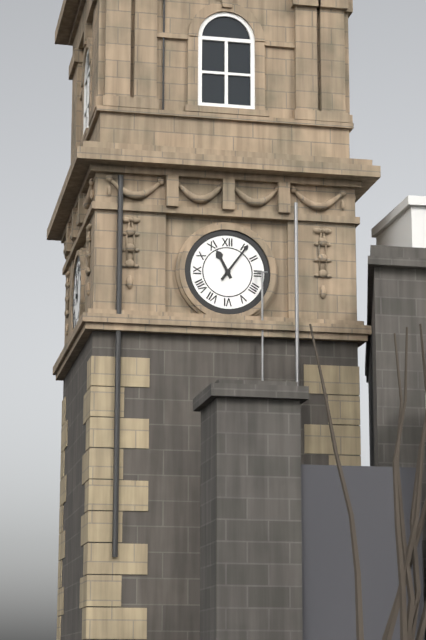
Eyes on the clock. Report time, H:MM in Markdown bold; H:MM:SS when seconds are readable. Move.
**11:06**
